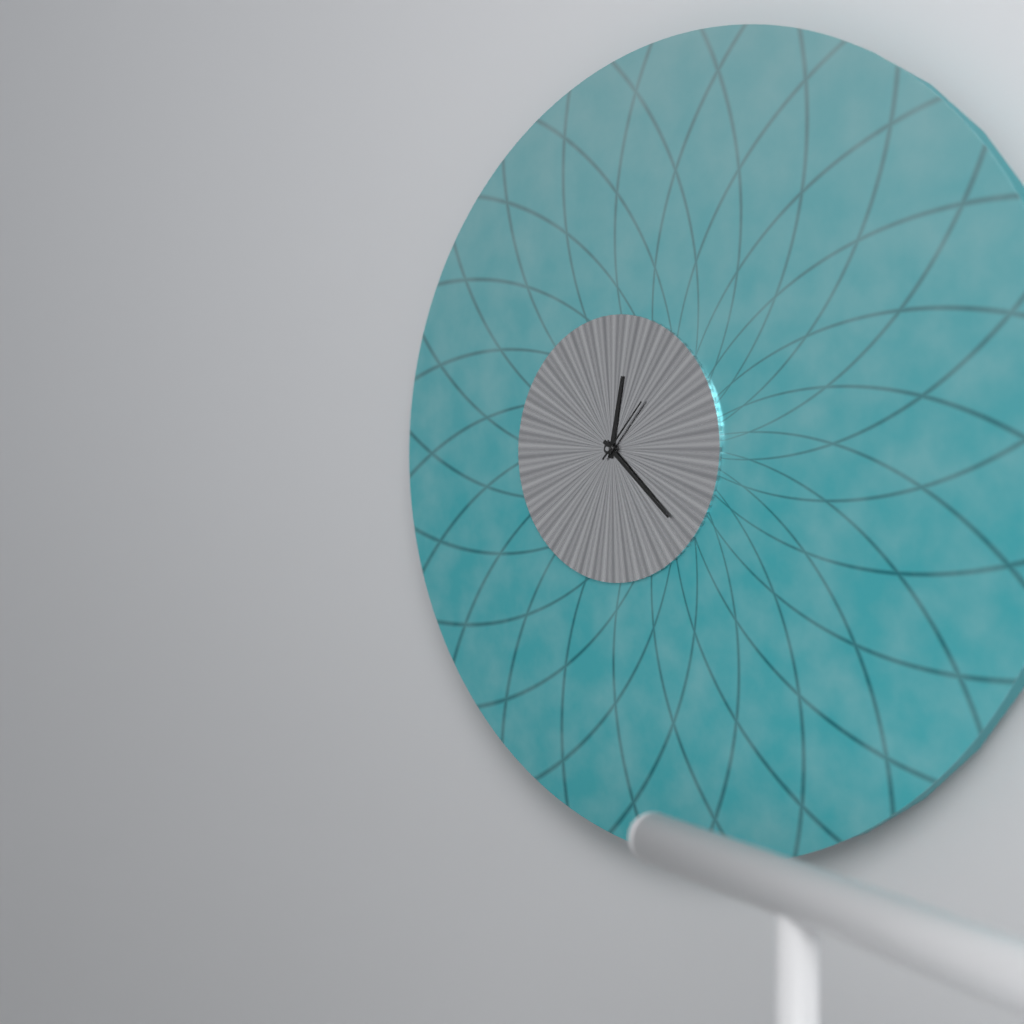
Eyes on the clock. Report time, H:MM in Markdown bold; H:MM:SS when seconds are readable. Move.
**12:22:07**
